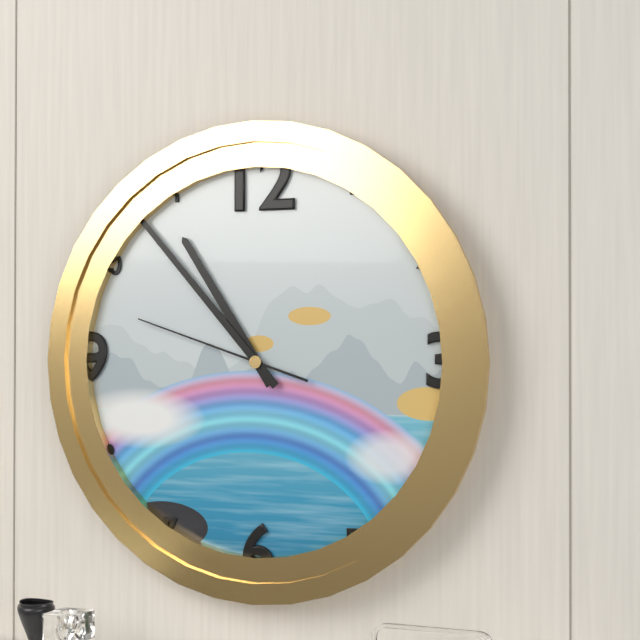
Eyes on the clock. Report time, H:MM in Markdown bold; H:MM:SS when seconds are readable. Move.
**10:53:48**
